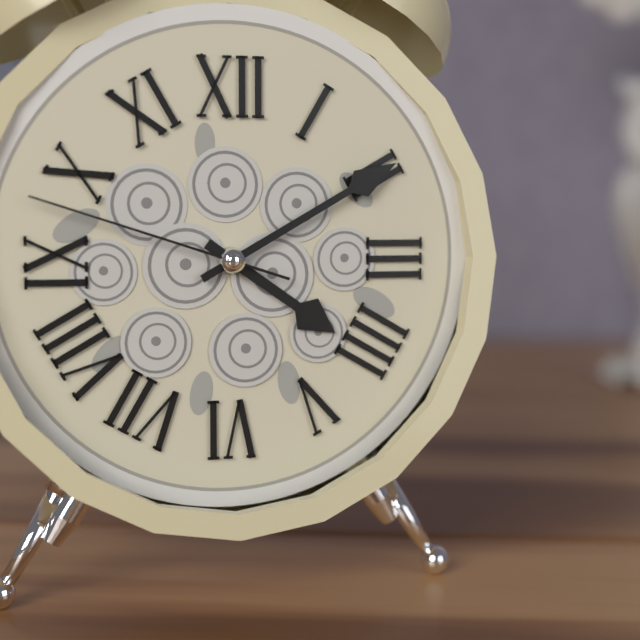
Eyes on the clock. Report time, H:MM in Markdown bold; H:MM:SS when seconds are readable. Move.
**4:10:48**
